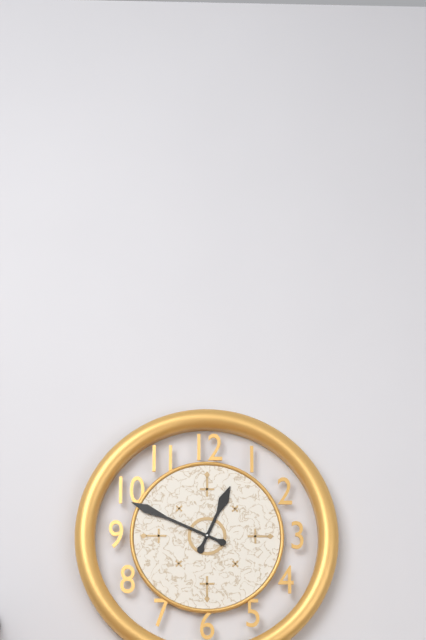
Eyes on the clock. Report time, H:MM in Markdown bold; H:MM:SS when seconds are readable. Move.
**12:49**
